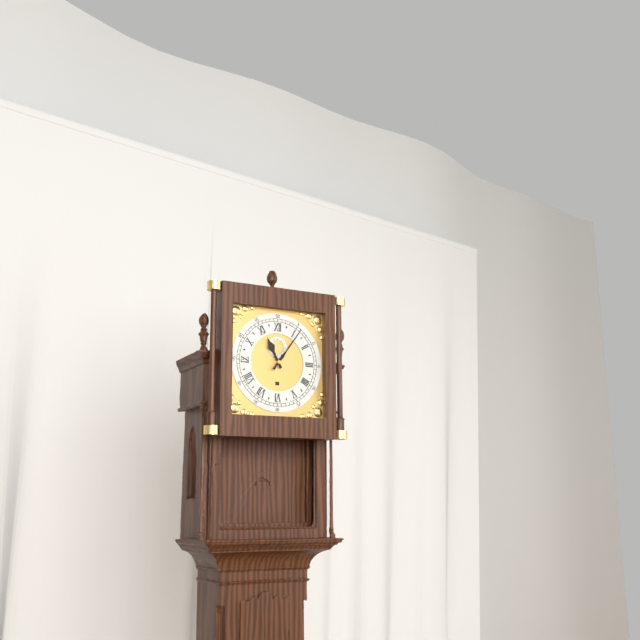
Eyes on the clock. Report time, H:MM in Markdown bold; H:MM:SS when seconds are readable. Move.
**11:06**
